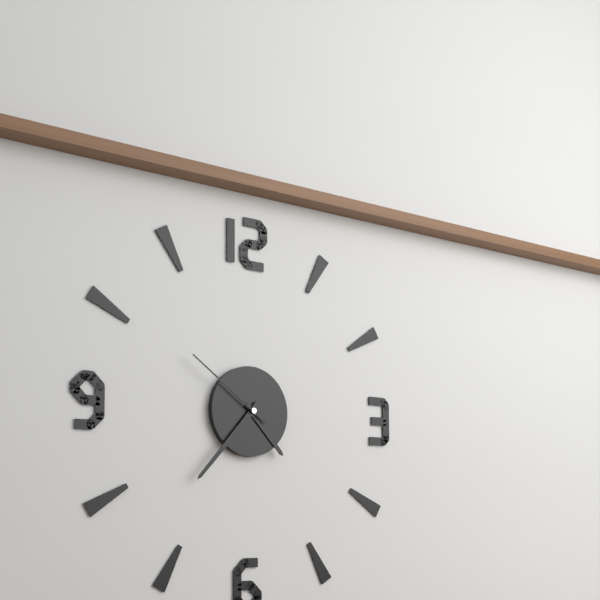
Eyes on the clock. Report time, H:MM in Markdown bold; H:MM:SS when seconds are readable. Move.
**4:37:51**
